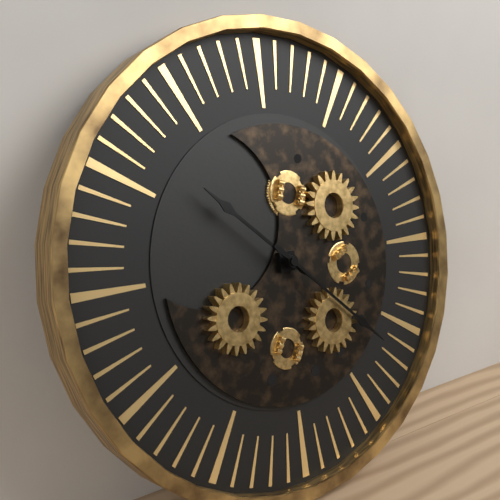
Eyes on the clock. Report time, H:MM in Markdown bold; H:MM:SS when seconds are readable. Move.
**10:22**
